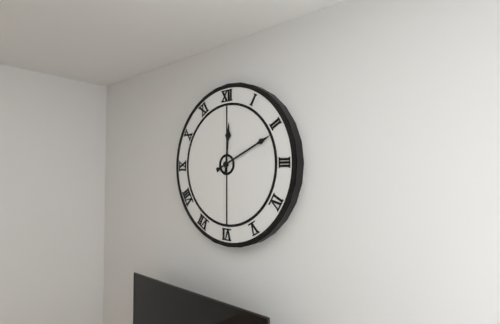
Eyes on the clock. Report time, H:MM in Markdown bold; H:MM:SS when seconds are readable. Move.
**12:11**
